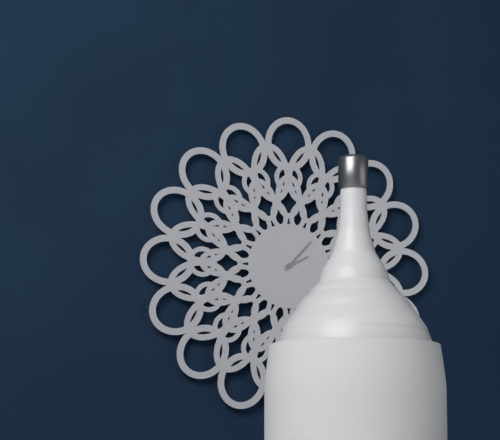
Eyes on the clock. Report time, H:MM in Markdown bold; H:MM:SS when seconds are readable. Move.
**2:07**
